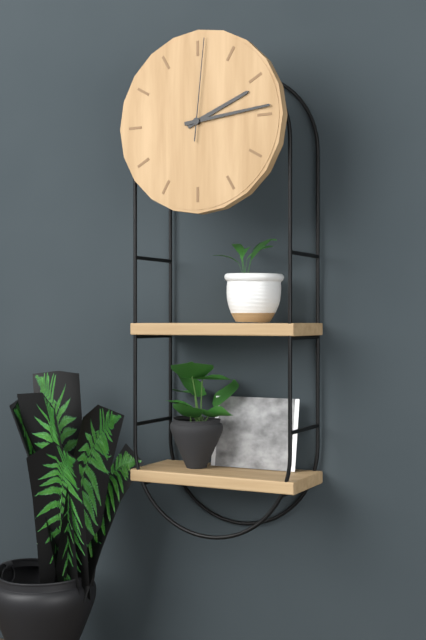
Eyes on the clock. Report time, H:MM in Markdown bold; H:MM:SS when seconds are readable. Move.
**2:14:01**
